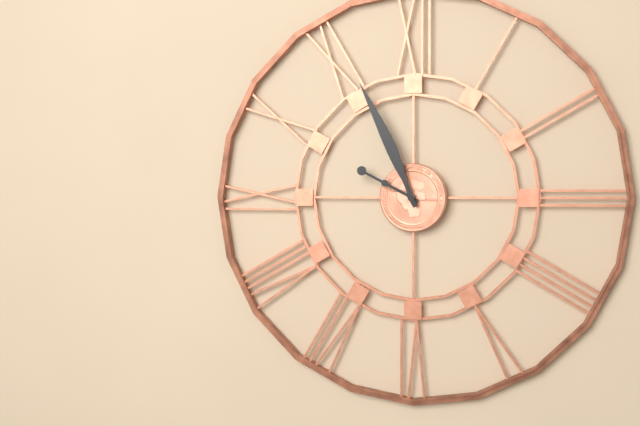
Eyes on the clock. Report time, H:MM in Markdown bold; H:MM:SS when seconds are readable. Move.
**9:56**
